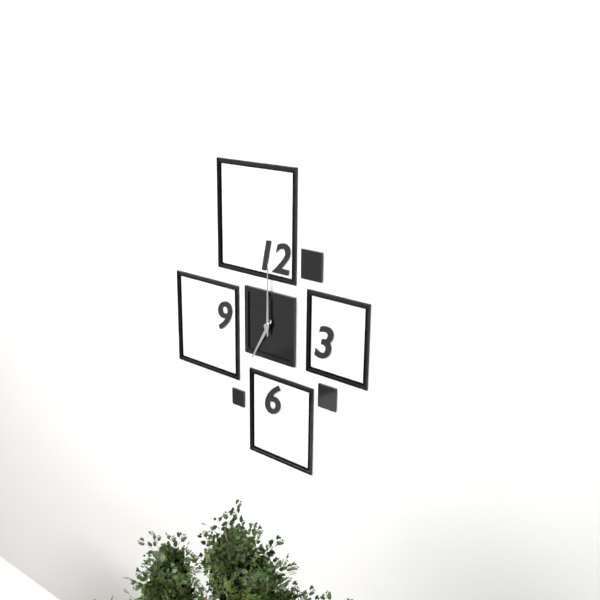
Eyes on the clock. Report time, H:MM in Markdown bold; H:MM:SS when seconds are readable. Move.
**7:00**
